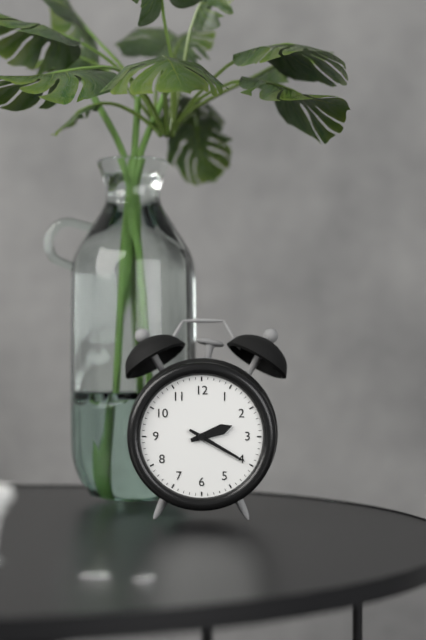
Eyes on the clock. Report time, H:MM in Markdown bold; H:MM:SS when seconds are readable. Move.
**2:20**
